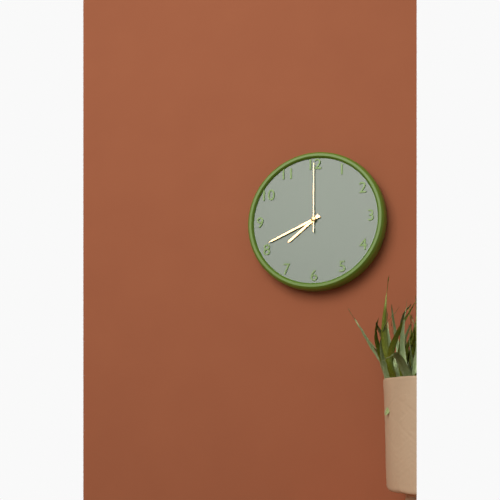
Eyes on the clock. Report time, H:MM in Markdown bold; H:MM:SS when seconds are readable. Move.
**7:41:00**
